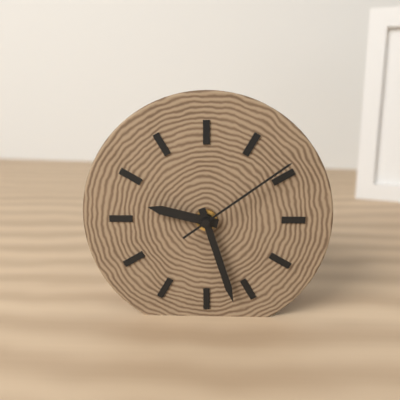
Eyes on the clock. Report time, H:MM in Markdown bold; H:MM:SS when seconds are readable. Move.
**9:27:09**
